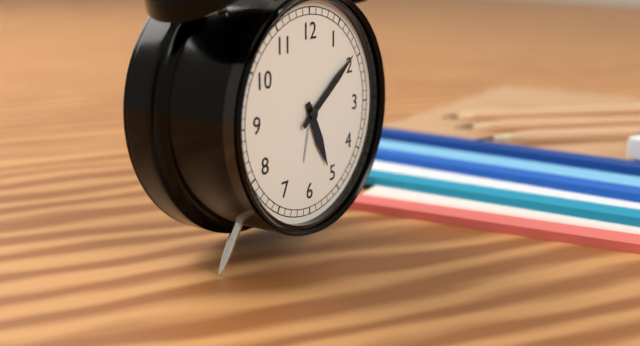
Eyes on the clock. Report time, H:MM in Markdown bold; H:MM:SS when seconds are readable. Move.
**5:09**
